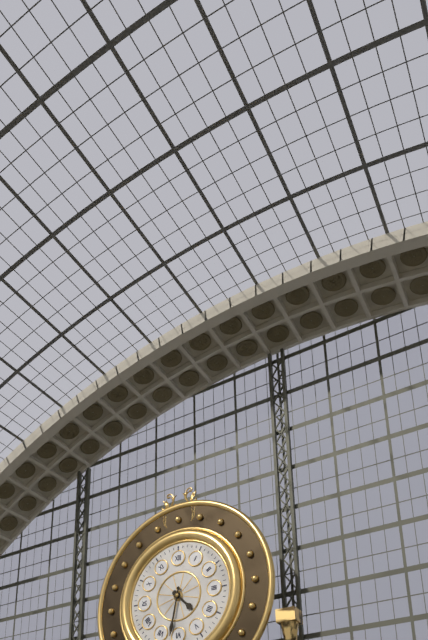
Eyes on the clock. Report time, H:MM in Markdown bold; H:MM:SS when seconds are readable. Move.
**4:32**
